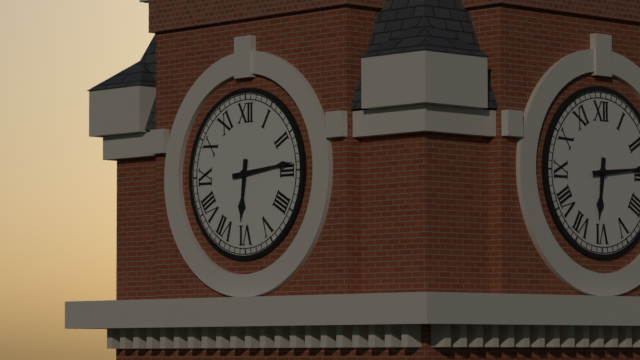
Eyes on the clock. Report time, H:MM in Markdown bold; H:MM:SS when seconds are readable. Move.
**6:14**
